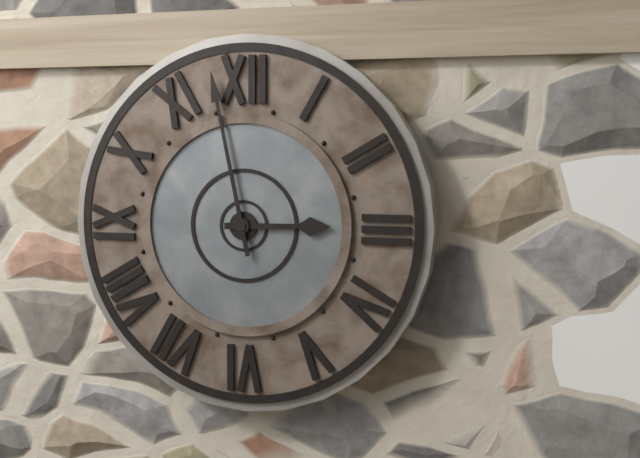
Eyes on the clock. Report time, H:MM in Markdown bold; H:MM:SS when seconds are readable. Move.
**2:58**
